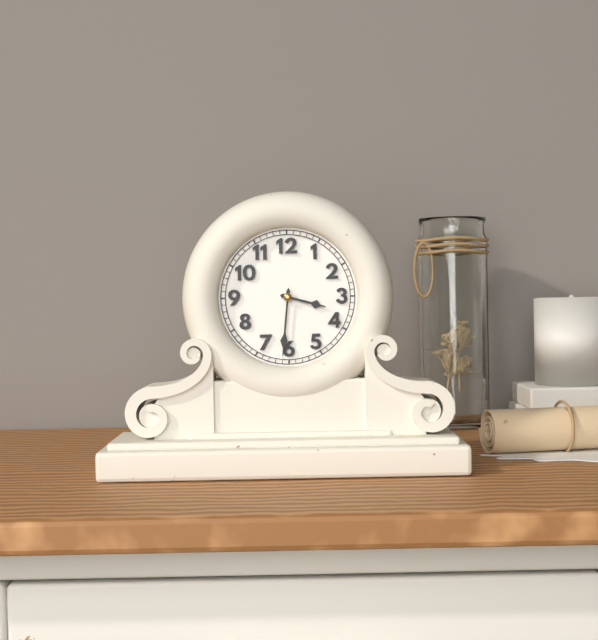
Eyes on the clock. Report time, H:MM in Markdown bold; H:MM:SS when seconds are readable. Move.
**3:31**
